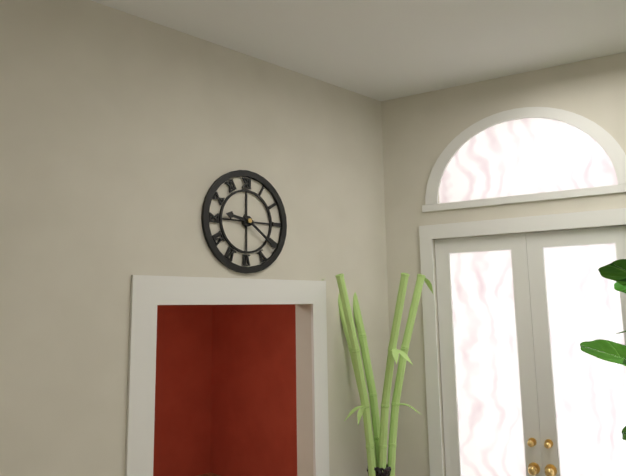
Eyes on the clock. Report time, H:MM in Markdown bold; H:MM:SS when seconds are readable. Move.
**9:21**
